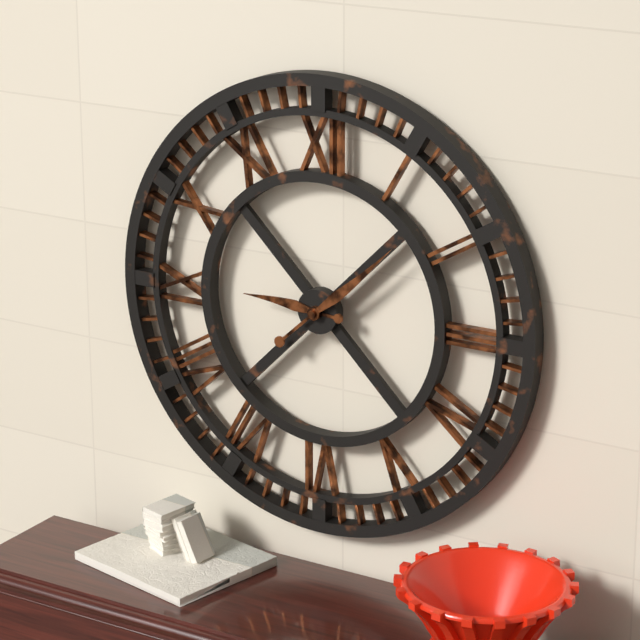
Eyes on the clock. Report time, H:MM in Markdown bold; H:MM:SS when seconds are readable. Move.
**9:08**
